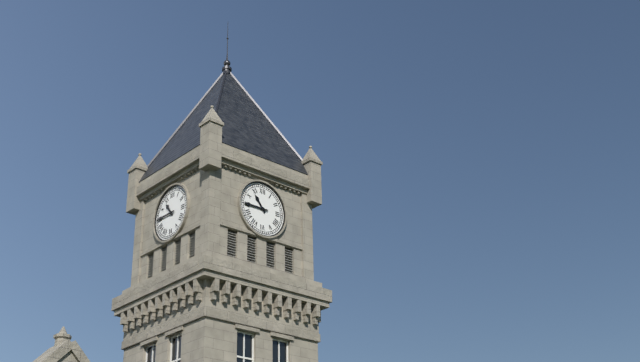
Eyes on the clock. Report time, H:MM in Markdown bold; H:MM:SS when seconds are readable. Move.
**10:45**
